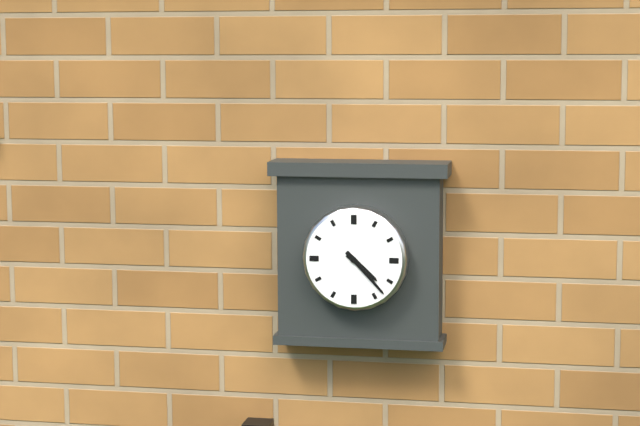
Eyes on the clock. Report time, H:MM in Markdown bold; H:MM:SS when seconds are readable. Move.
**4:23**
